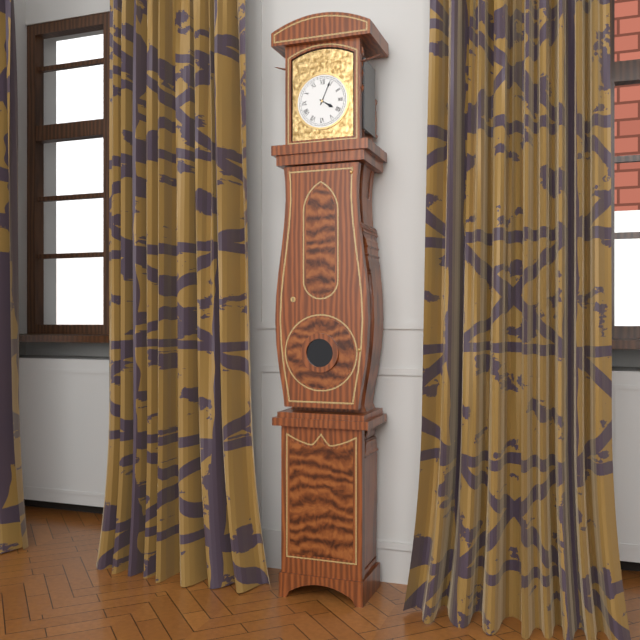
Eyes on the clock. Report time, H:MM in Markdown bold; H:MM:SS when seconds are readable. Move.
**4:04**
